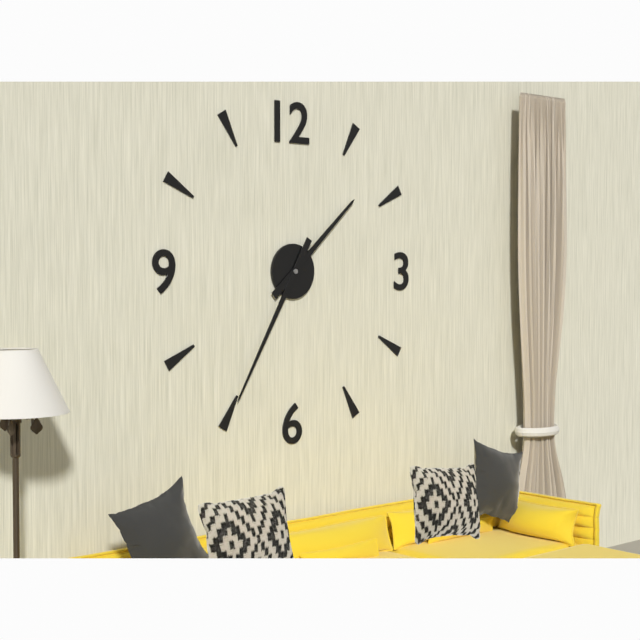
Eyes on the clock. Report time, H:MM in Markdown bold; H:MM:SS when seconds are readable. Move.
**1:35**
